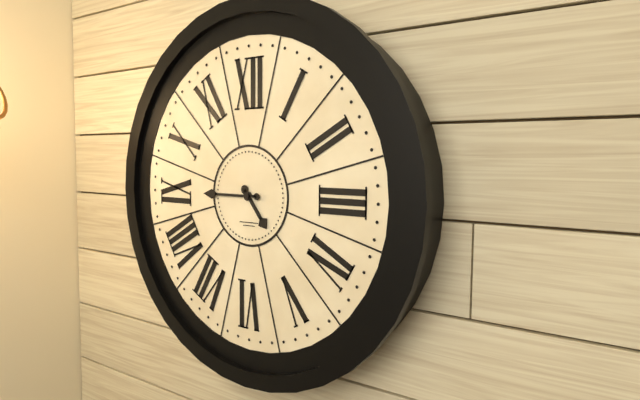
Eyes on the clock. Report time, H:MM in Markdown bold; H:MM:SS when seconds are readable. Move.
**4:45**
